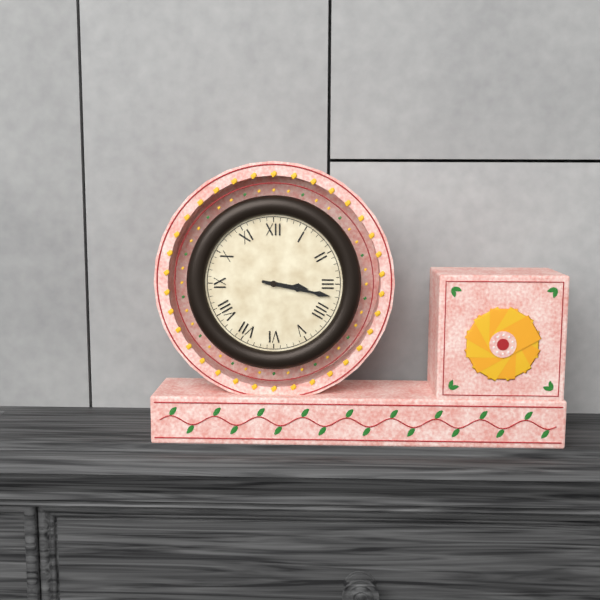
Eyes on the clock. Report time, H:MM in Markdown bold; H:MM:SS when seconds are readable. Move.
**3:17**
